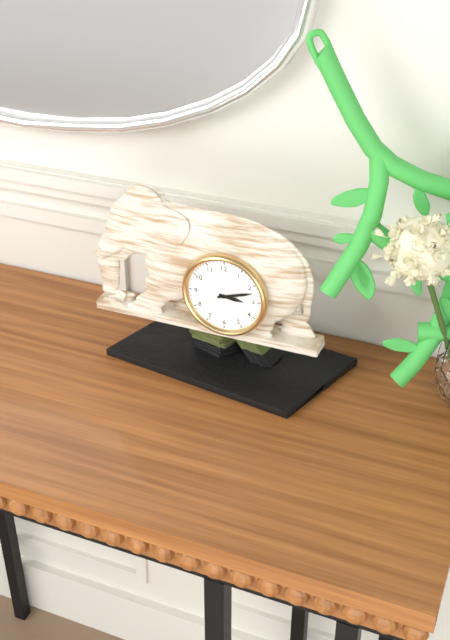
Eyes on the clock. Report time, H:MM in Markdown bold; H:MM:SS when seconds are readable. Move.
**3:12**
